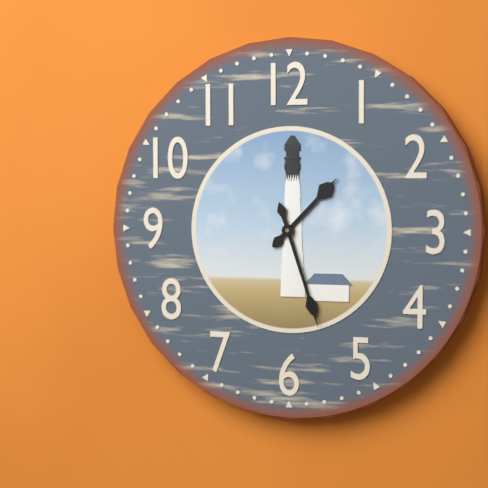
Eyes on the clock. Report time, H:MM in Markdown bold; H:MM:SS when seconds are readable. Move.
**1:27**
